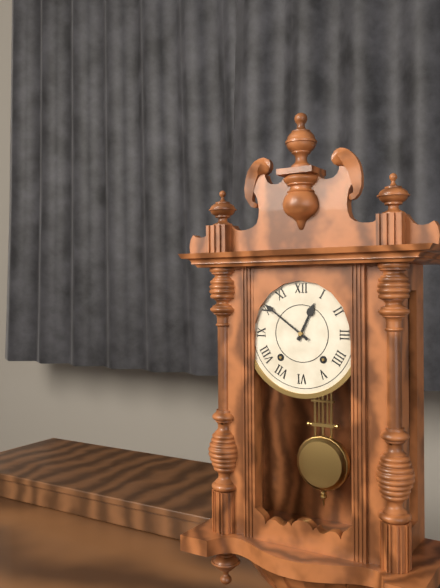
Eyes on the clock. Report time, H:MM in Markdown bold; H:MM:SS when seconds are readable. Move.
**12:51**
